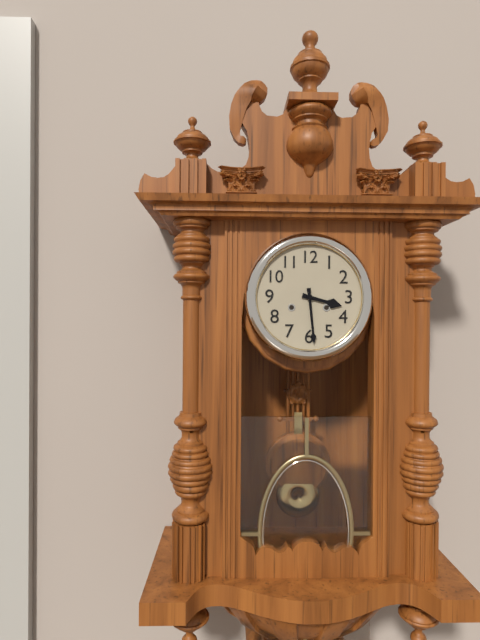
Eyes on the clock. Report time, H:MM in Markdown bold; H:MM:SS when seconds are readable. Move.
**3:29**
